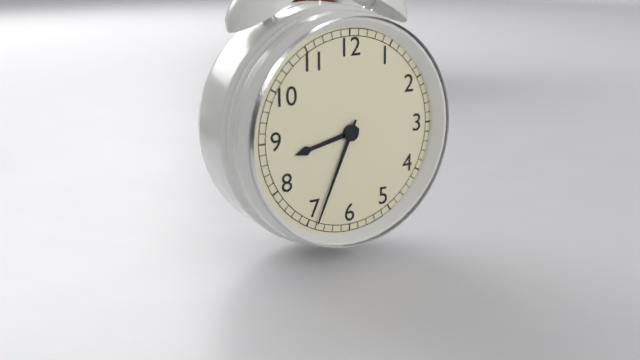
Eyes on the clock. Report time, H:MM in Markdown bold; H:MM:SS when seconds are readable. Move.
**8:34**
